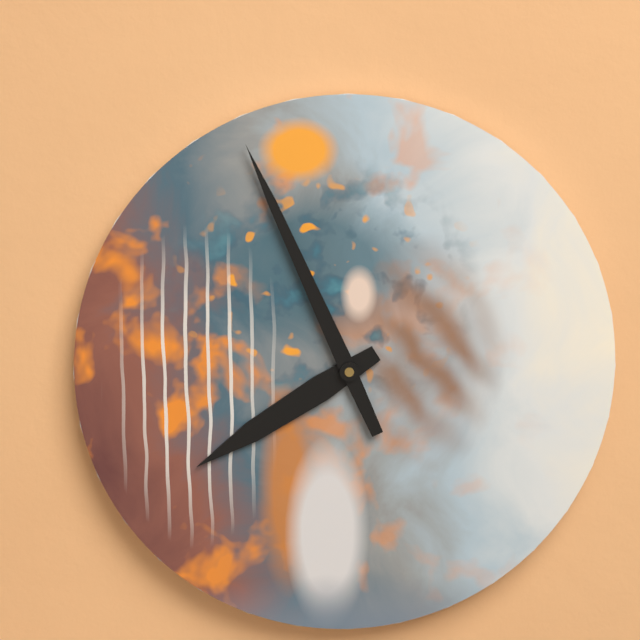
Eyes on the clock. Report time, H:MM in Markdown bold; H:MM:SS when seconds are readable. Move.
**7:56**
